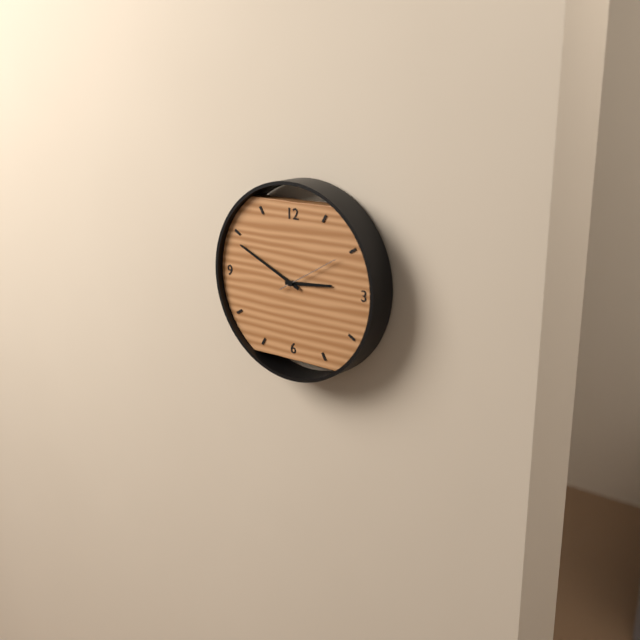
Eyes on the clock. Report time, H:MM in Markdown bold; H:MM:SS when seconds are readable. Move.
**2:49**
